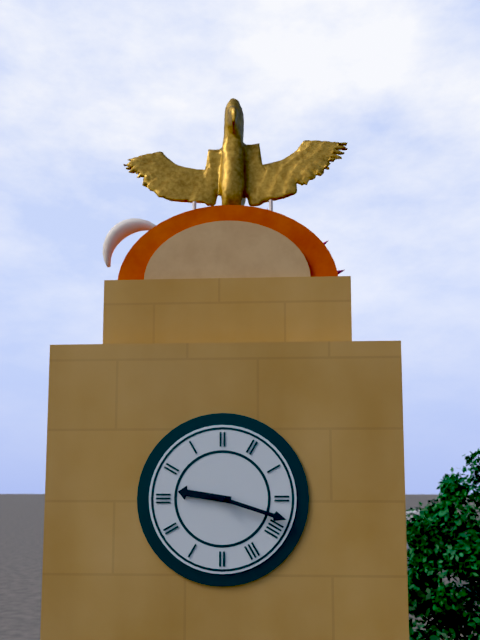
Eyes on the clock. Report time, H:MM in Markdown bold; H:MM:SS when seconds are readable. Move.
**9:18**
